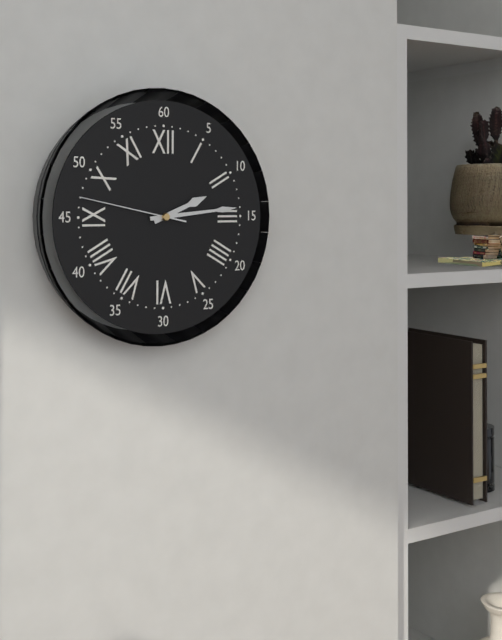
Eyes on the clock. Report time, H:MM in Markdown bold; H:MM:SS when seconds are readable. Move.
**2:14:47**
